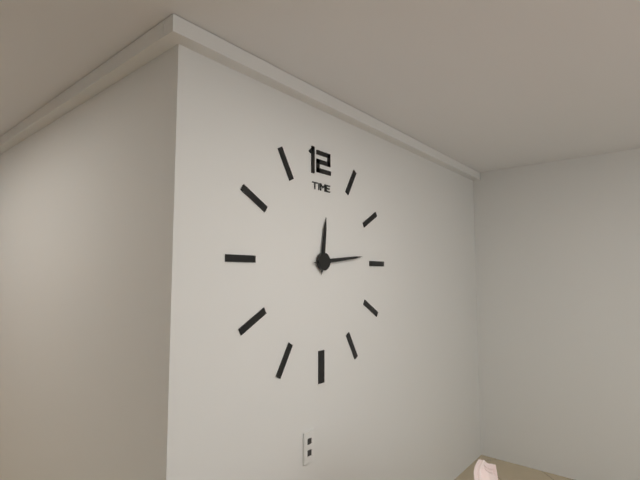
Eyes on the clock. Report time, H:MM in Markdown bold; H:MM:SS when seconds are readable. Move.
**12:14**
